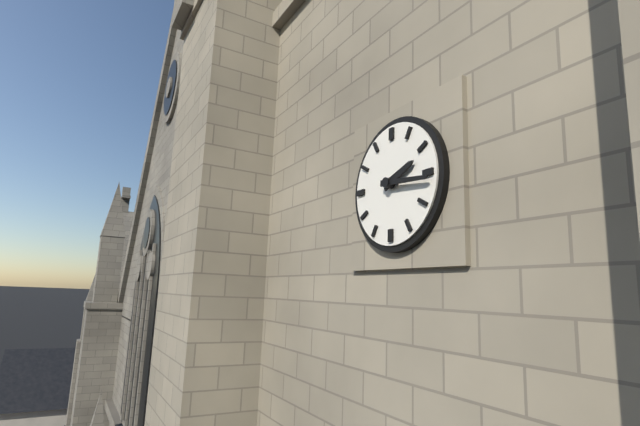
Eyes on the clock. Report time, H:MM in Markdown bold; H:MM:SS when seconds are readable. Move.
**2:16**
